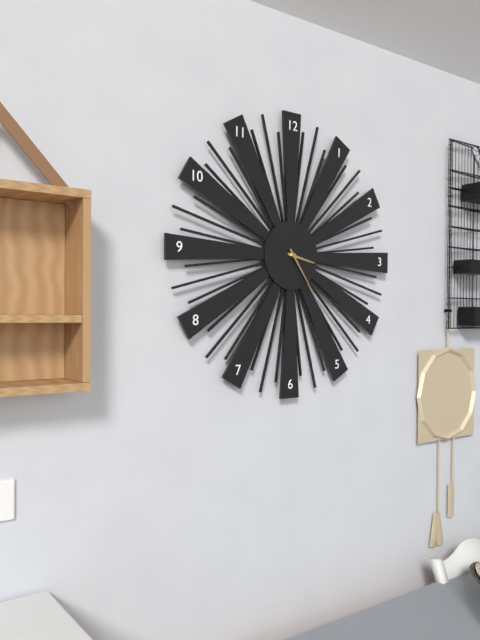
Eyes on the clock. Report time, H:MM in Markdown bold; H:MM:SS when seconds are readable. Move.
**3:24**
